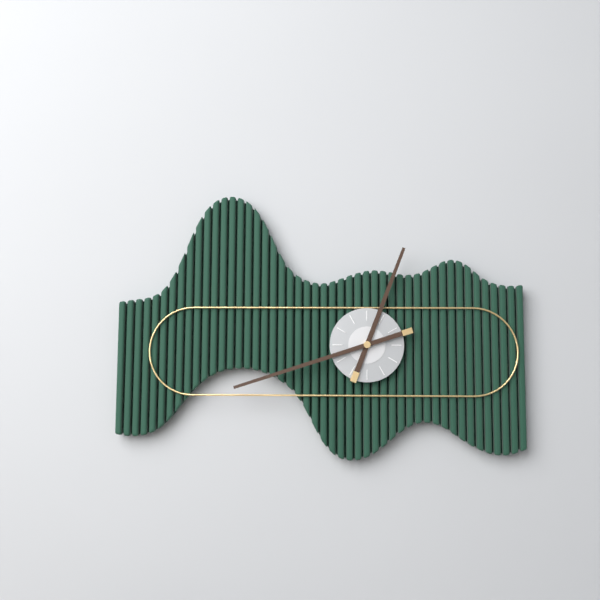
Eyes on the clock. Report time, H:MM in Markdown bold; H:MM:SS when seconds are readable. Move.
**12:42**
